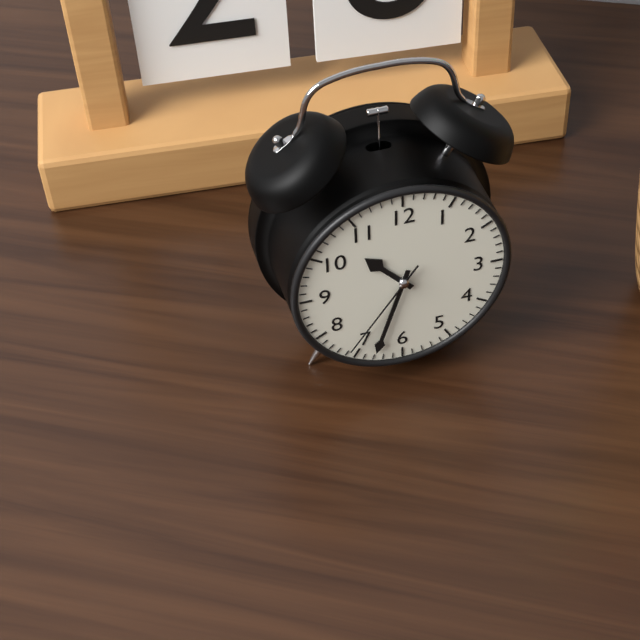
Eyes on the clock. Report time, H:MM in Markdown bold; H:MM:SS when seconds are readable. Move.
**10:33:36**
